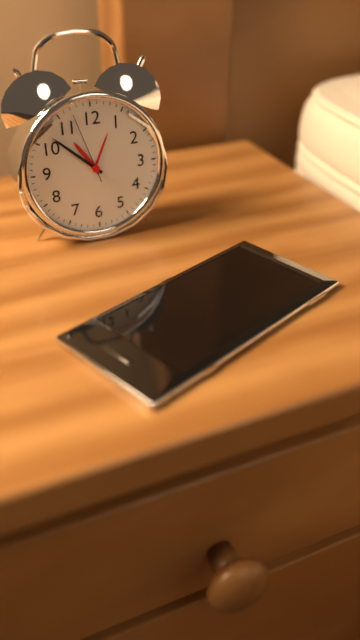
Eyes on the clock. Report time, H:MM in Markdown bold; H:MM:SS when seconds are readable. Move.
**10:52:57**
